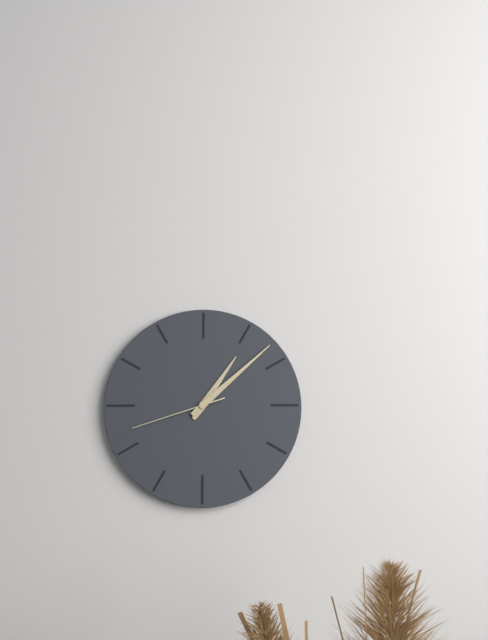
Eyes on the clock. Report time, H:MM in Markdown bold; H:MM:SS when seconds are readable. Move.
**1:08:42**
